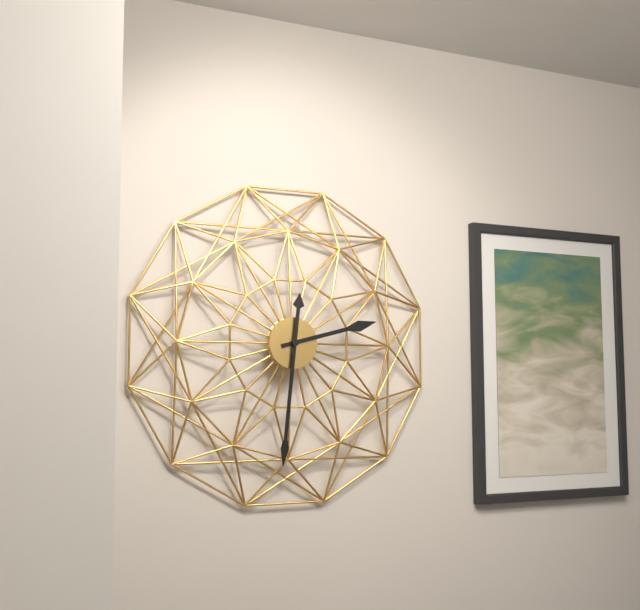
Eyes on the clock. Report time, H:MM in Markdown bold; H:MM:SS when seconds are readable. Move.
**2:31**
